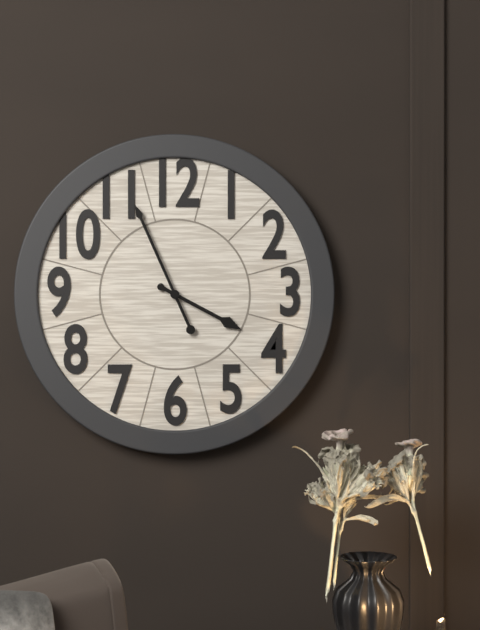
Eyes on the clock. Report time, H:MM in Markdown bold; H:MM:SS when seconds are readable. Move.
**3:56**
